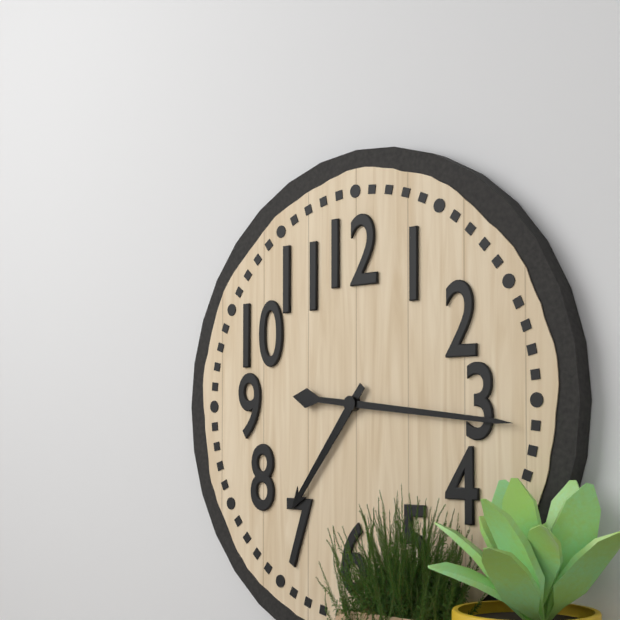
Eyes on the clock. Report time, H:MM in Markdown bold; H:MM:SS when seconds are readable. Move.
**7:16**
